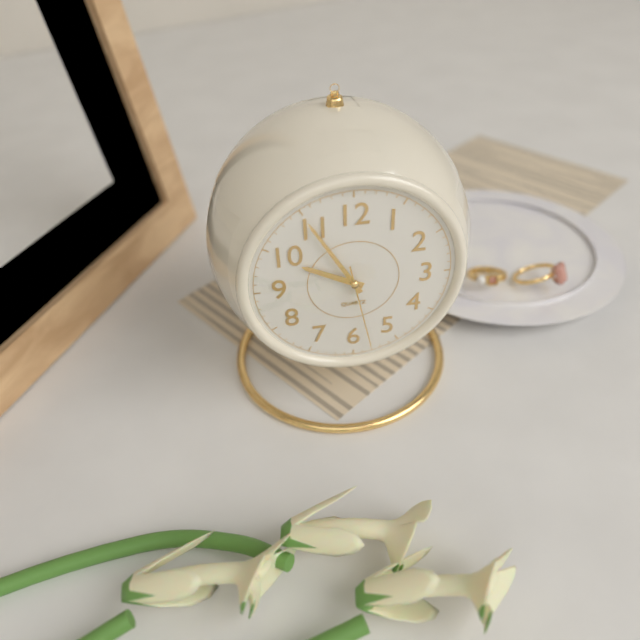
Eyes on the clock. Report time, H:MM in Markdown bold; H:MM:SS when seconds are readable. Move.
**9:55:28**
